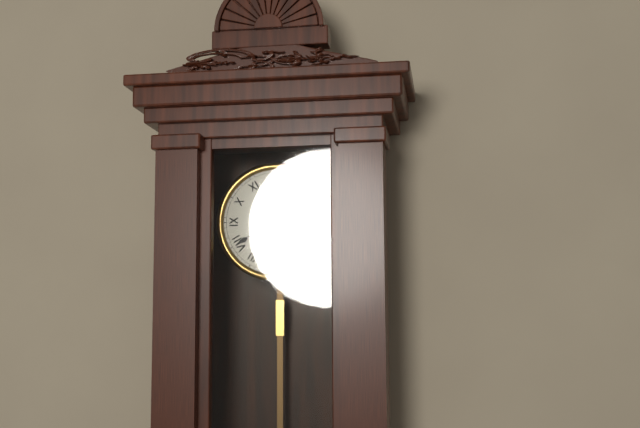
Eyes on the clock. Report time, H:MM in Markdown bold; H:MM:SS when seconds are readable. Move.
**7:40**
